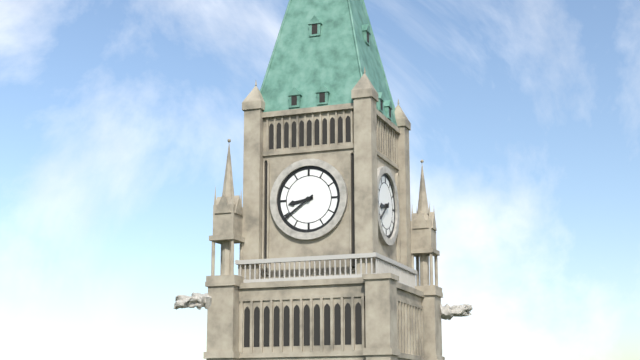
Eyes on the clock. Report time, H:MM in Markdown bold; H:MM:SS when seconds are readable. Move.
**8:39**
